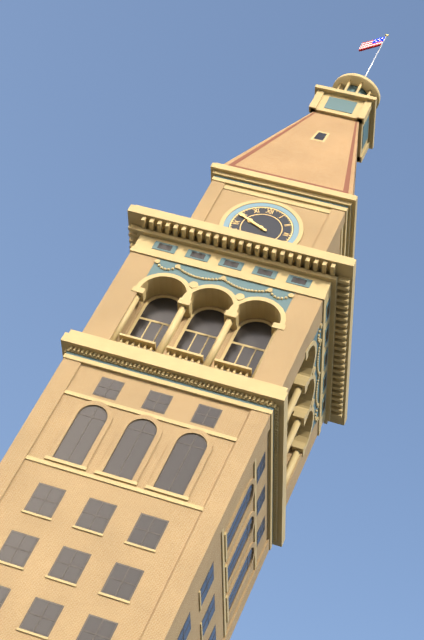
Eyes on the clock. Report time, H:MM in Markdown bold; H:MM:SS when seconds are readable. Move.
**9:49**
